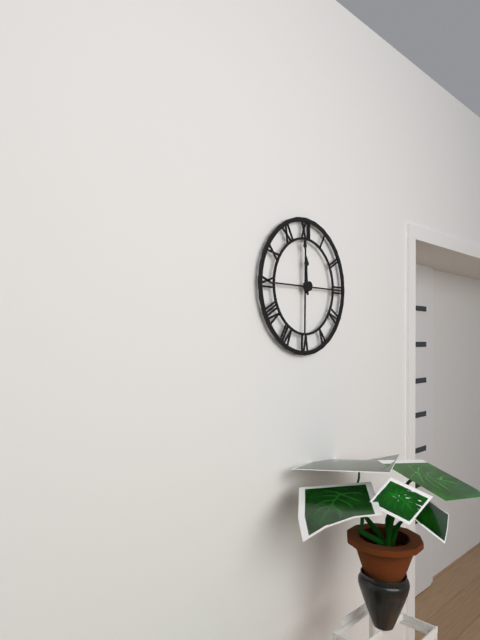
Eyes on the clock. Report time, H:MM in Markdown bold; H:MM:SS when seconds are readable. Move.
**11:59**
